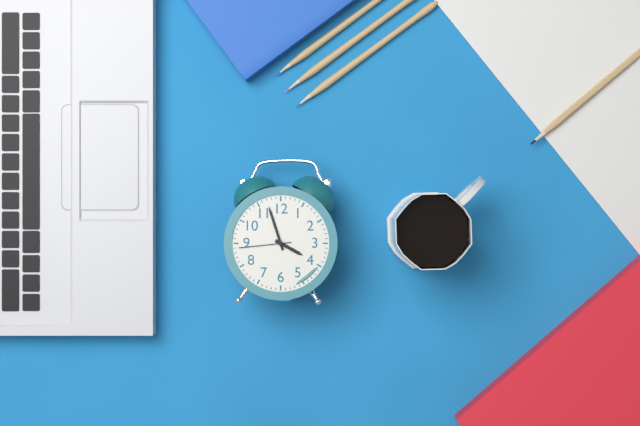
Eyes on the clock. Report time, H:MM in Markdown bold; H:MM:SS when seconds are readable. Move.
**3:57:44**
